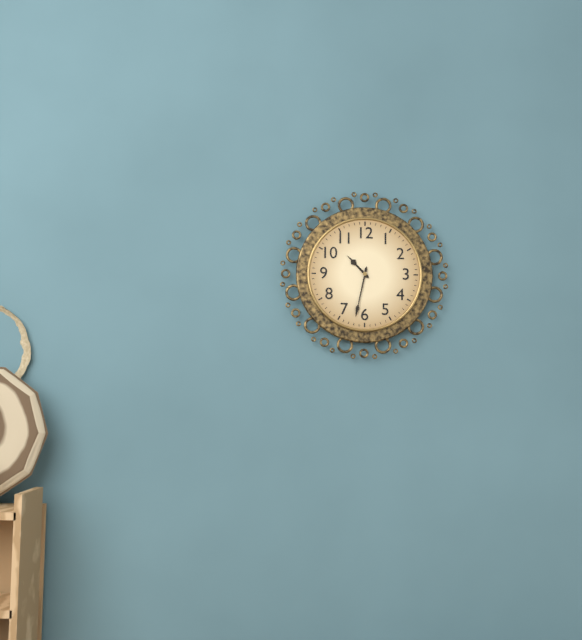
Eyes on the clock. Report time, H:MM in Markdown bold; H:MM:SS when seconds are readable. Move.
**10:32**
